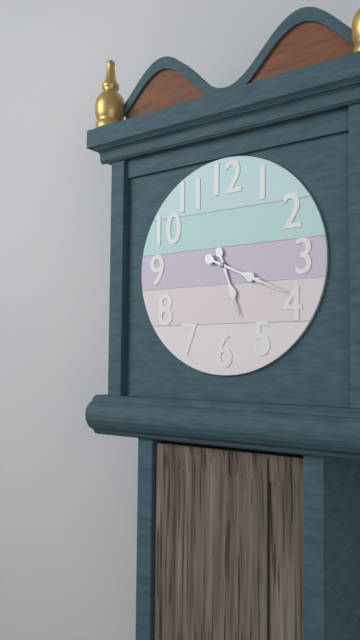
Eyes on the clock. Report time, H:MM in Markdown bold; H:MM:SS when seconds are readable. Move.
**5:19**
